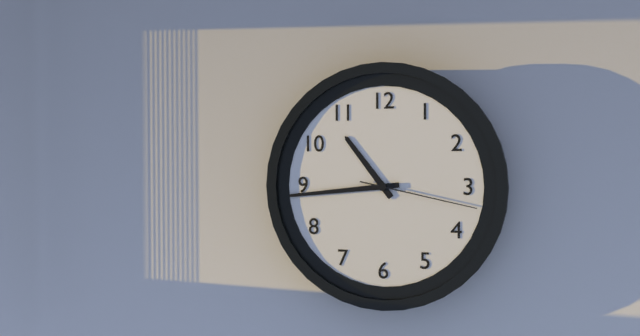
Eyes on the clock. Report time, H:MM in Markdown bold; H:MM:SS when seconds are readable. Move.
**10:44:17**
